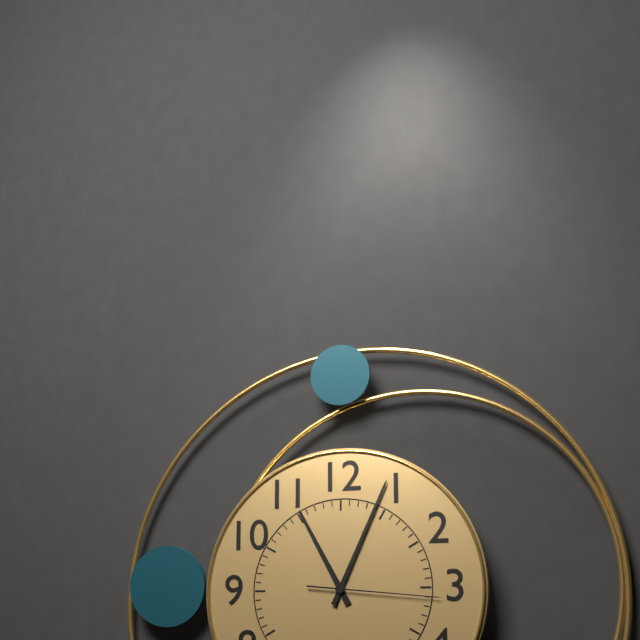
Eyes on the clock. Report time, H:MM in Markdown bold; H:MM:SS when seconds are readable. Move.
**11:04:16**
